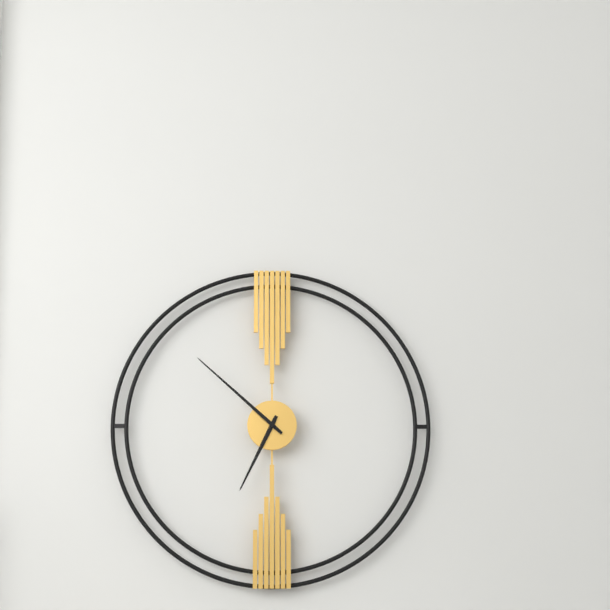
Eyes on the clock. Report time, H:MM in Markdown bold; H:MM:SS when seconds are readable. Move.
**6:52**
